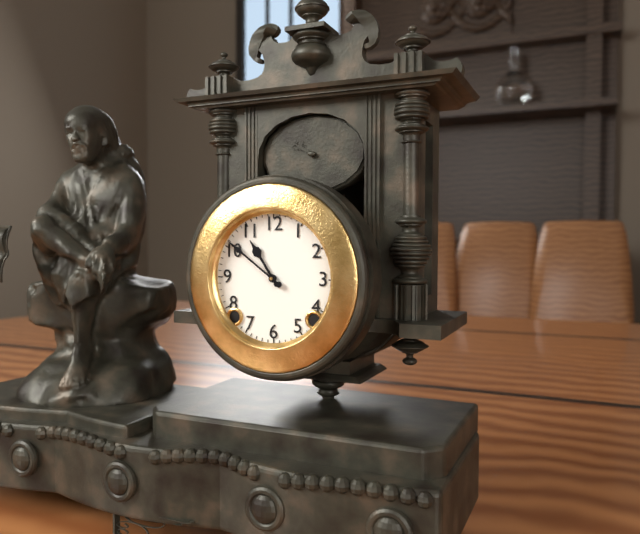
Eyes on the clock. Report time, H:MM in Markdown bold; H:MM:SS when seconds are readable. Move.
**10:51**
